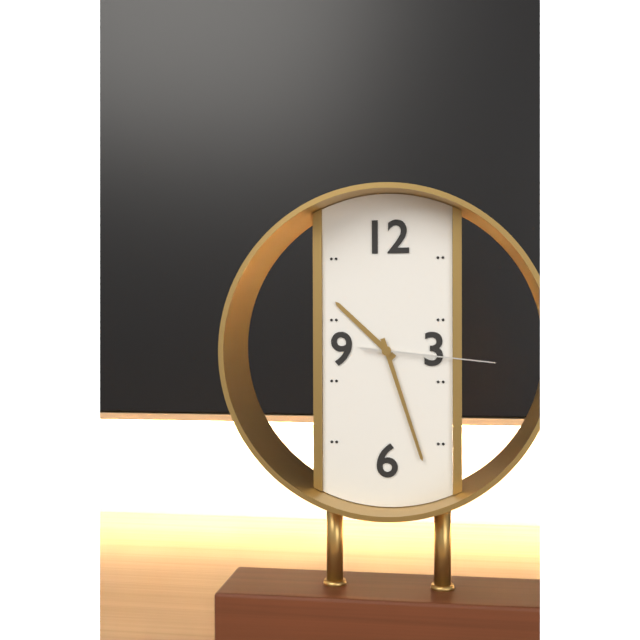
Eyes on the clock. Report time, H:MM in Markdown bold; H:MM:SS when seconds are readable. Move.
**10:27:16**
